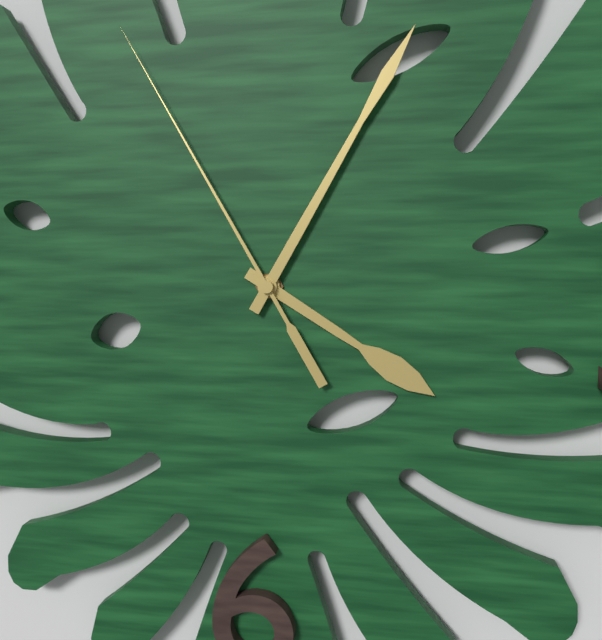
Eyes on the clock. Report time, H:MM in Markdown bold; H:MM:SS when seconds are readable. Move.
**4:05:55**
